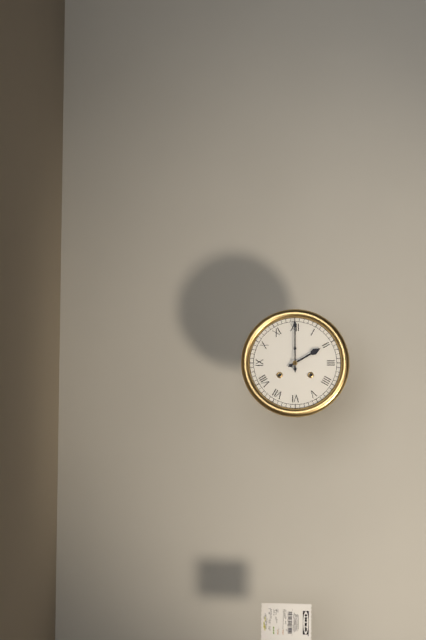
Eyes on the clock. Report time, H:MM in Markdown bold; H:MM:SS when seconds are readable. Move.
**2:00**
